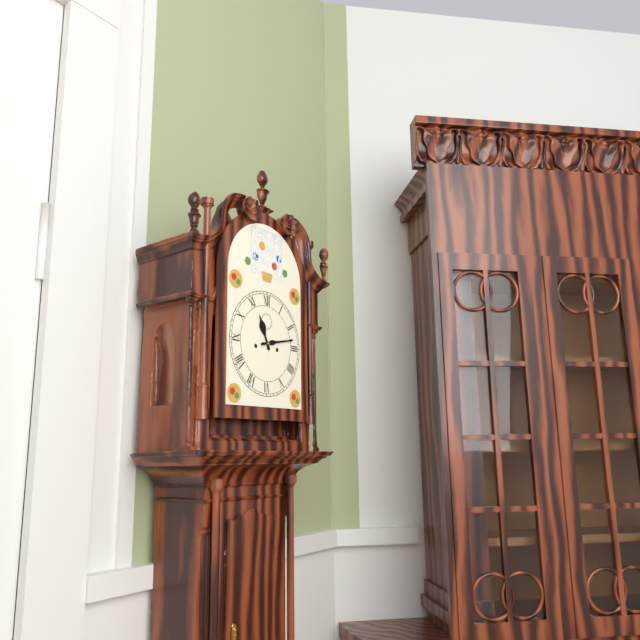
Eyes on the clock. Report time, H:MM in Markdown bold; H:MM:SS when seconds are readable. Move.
**11:13**
